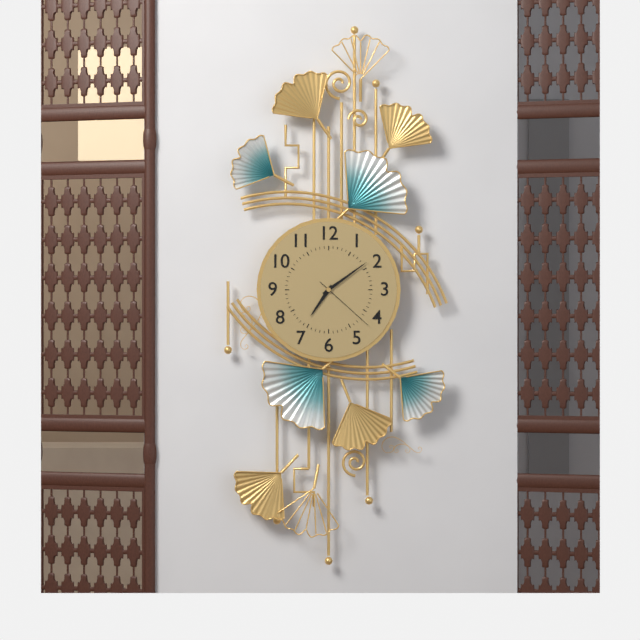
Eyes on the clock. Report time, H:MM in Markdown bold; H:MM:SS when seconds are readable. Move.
**7:09:22**
